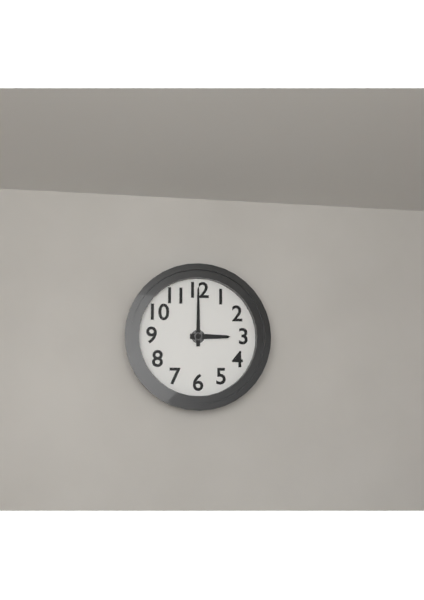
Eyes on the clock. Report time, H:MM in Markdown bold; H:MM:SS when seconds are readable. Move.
**3:00**
